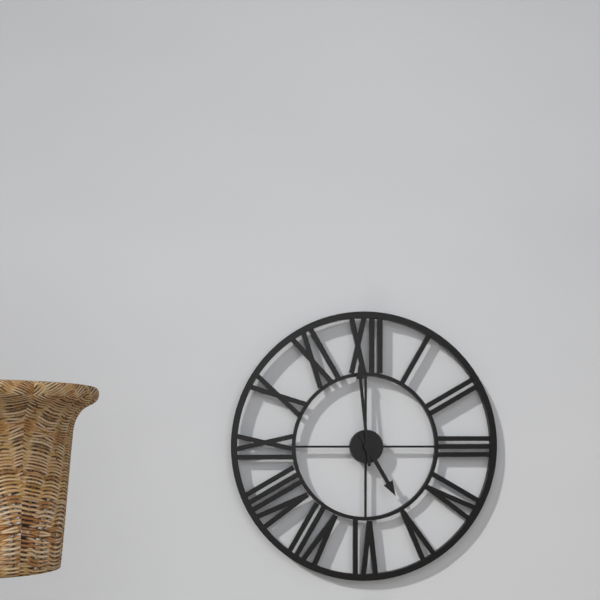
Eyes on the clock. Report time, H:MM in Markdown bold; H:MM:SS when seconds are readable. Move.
**4:59**
